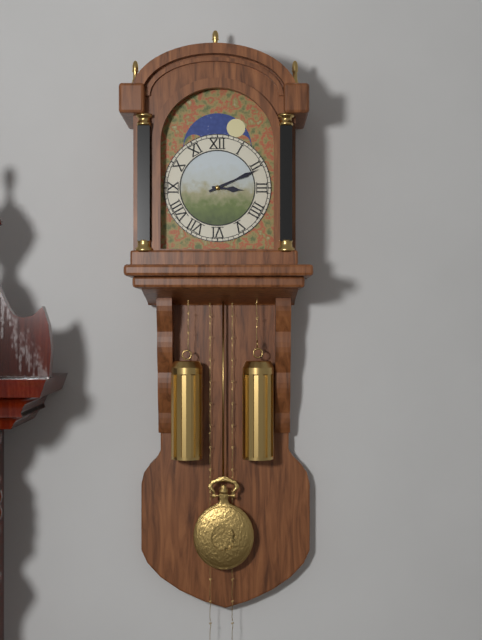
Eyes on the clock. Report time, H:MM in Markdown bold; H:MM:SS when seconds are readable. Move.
**3:11**
